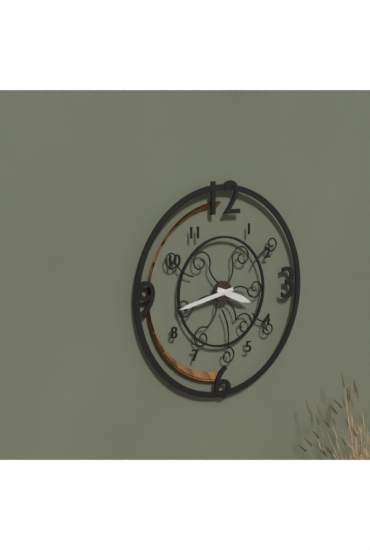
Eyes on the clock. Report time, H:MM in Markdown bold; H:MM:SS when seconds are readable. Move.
**3:43**
